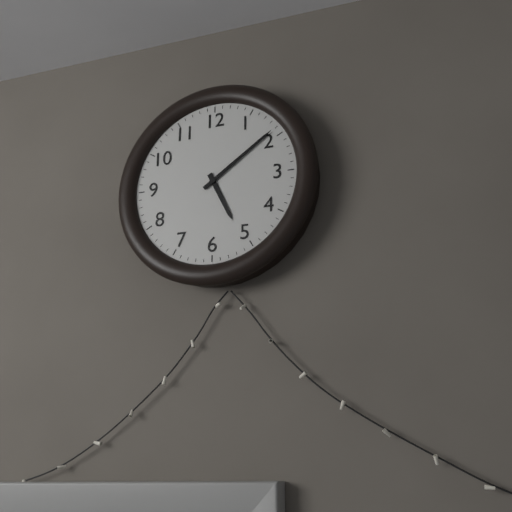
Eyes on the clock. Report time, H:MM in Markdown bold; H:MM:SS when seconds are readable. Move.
**5:09**
